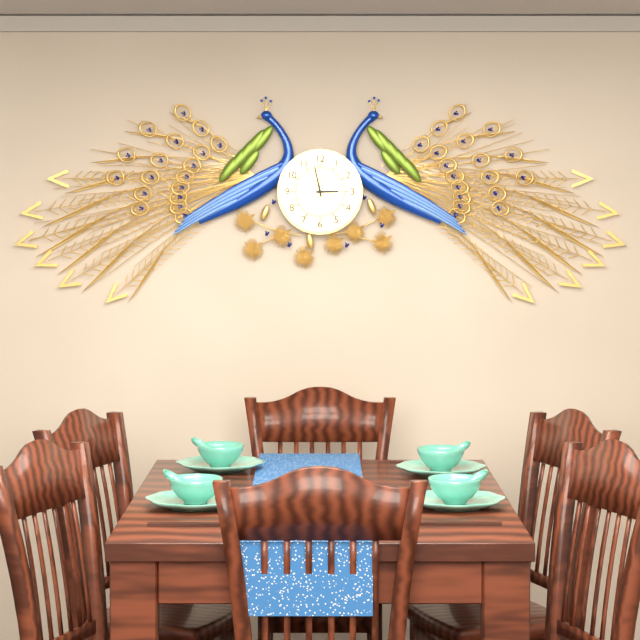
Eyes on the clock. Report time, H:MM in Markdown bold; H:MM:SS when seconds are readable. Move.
**2:58**
